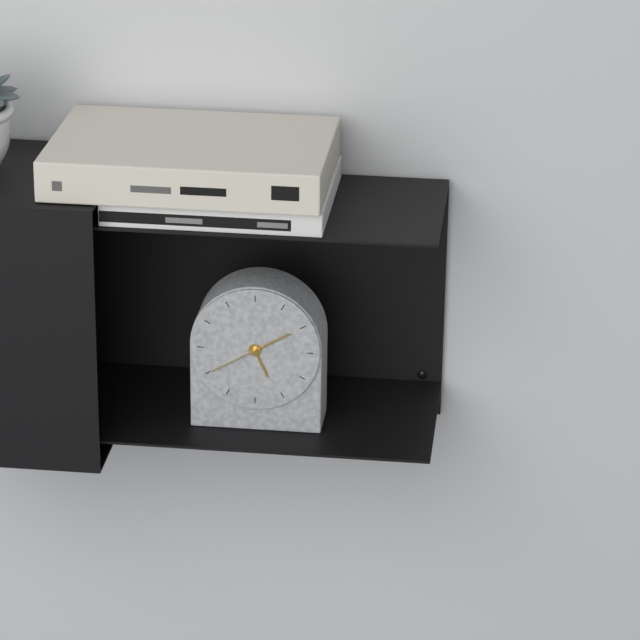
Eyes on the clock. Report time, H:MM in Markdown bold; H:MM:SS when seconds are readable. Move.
**5:10:40**
